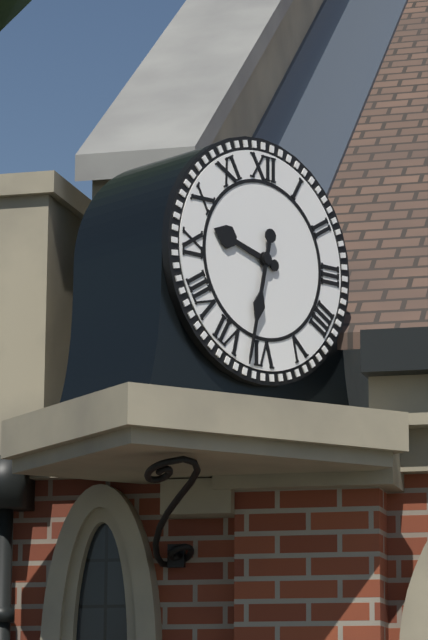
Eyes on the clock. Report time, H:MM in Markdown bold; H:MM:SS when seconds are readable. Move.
**9:32**
